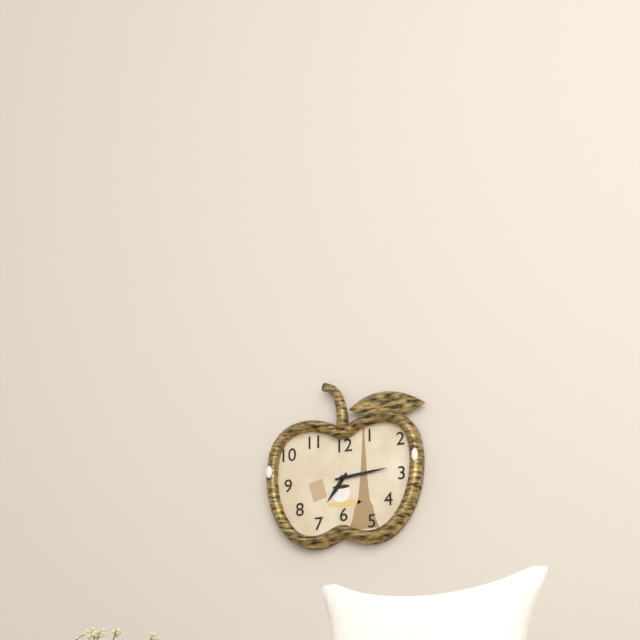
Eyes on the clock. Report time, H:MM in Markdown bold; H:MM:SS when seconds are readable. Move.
**7:14**
